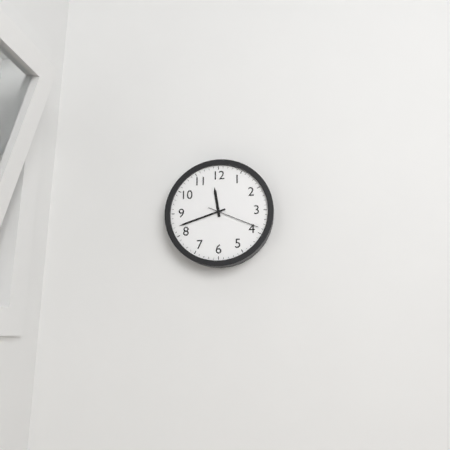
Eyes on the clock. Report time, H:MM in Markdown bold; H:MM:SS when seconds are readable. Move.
**11:42:19**
